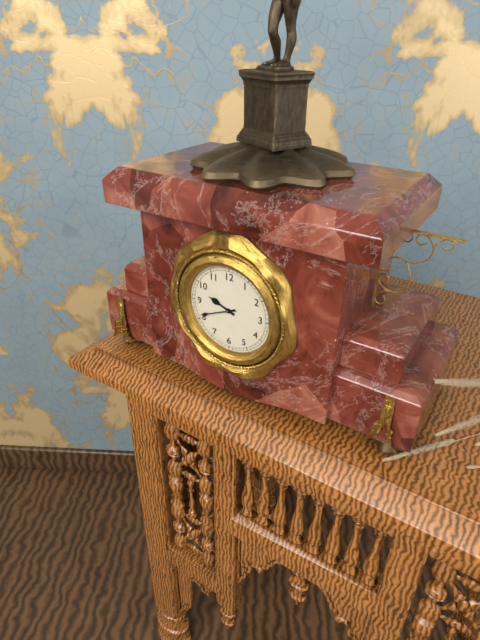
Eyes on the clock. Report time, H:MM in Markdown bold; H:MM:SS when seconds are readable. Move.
**9:41**
